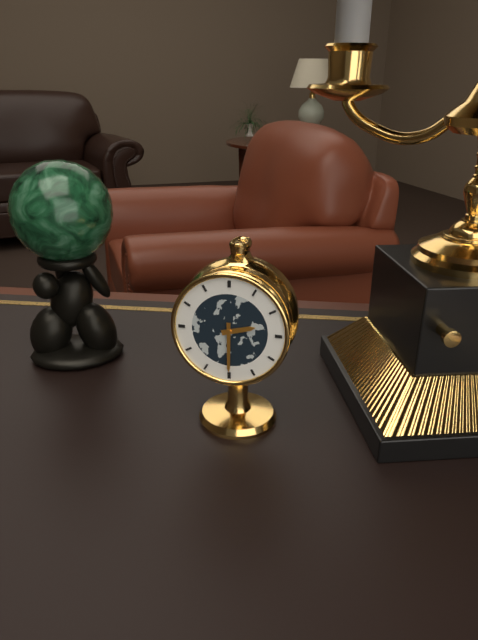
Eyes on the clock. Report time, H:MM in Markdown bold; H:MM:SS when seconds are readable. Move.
**2:30**
